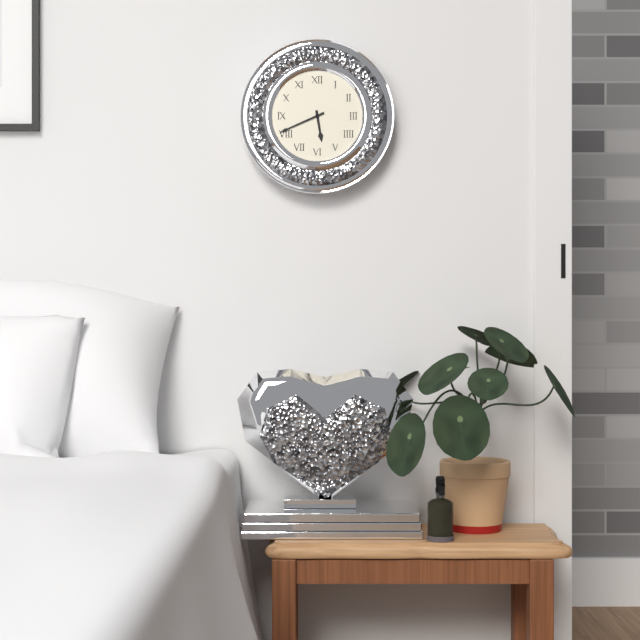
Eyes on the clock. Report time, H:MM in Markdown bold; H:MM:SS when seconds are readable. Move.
**5:41**
